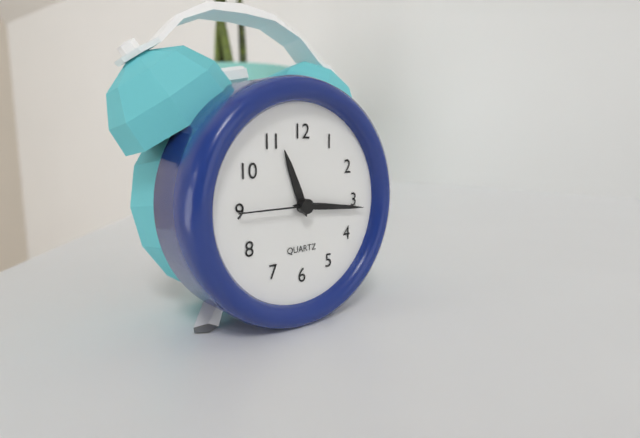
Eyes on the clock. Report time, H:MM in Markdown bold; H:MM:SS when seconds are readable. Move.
**11:16:45**
